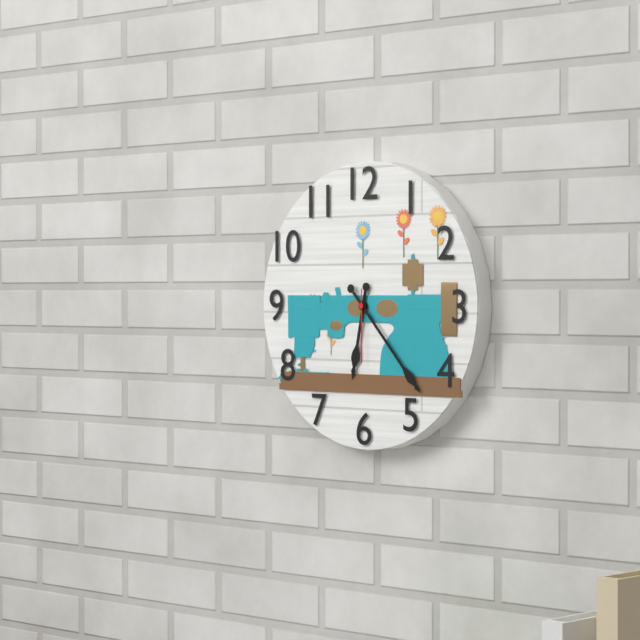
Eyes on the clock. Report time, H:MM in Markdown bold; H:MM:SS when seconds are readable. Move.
**6:23:30**
